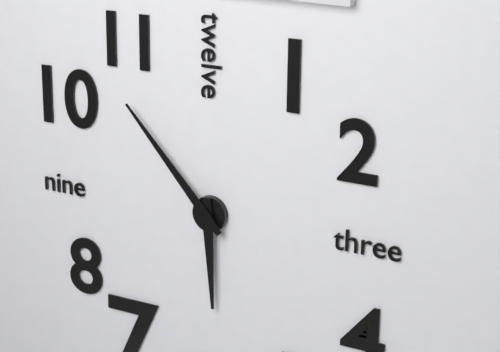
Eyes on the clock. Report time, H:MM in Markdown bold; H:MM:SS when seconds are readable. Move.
**5:53**
